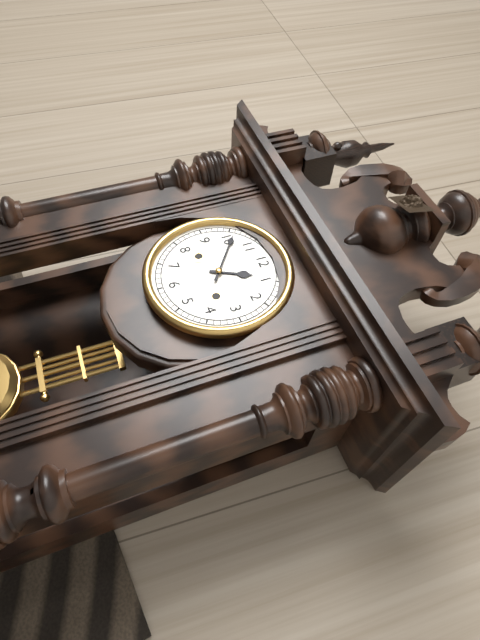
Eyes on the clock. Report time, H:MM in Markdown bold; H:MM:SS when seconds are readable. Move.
**12:51**
